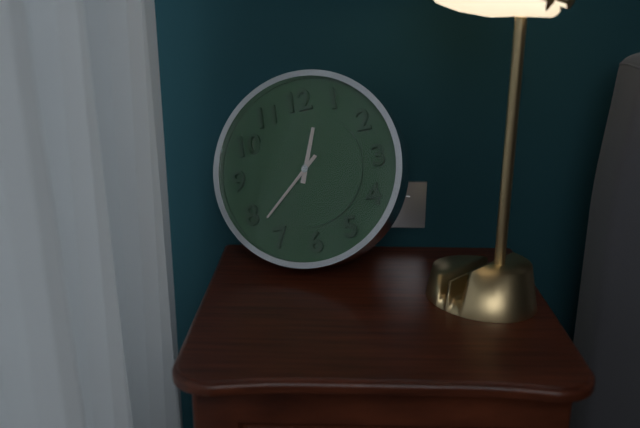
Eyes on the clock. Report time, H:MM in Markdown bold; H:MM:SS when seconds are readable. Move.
**12:38**
